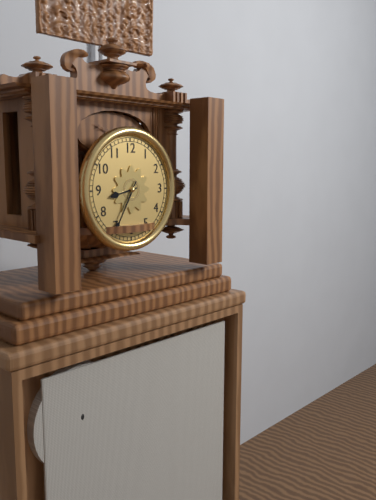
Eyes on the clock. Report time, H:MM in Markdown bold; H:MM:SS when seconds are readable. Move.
**8:35**
